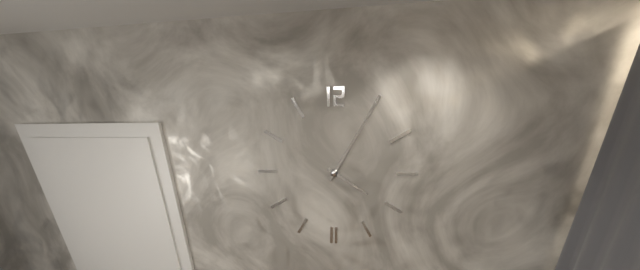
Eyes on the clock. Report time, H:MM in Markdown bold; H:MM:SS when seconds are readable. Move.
**4:05**
